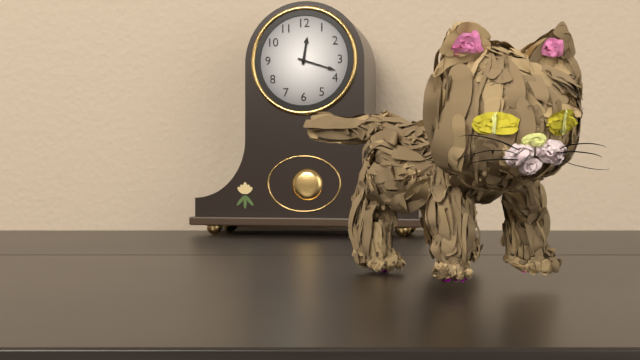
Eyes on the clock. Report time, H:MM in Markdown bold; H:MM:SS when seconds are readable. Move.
**12:18**
